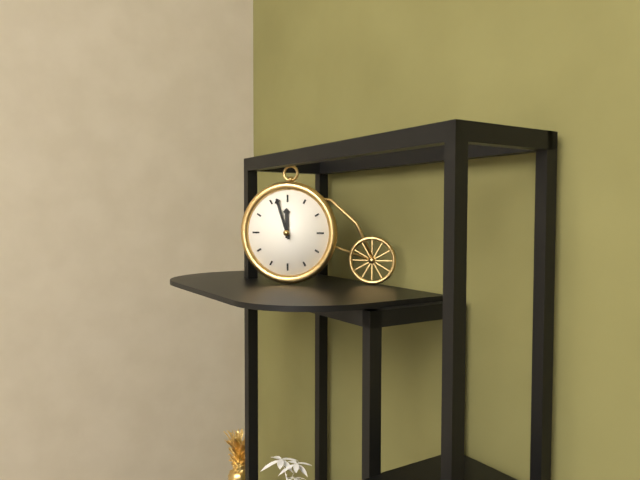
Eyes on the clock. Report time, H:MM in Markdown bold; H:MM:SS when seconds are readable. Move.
**11:57**
